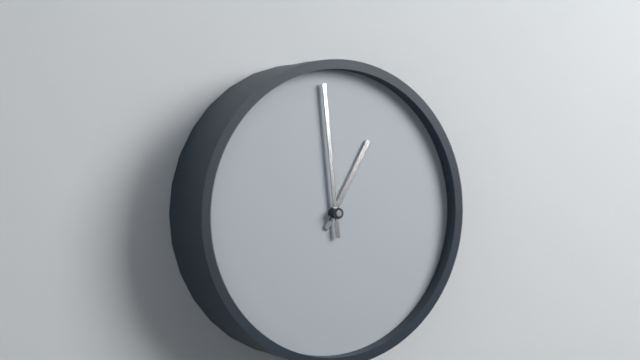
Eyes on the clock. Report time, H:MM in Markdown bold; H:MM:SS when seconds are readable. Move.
**12:59**
